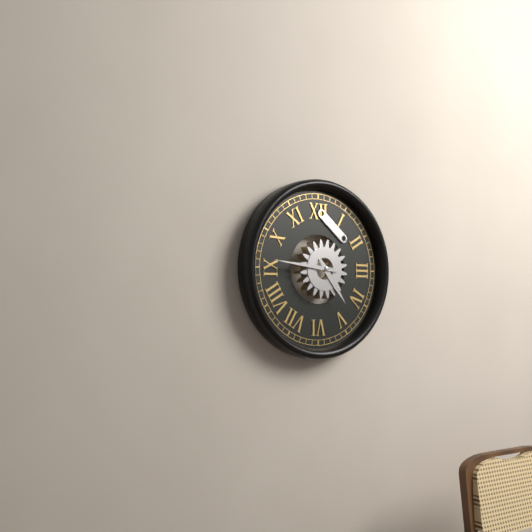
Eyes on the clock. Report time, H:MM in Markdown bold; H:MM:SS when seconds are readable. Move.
**4:46**
